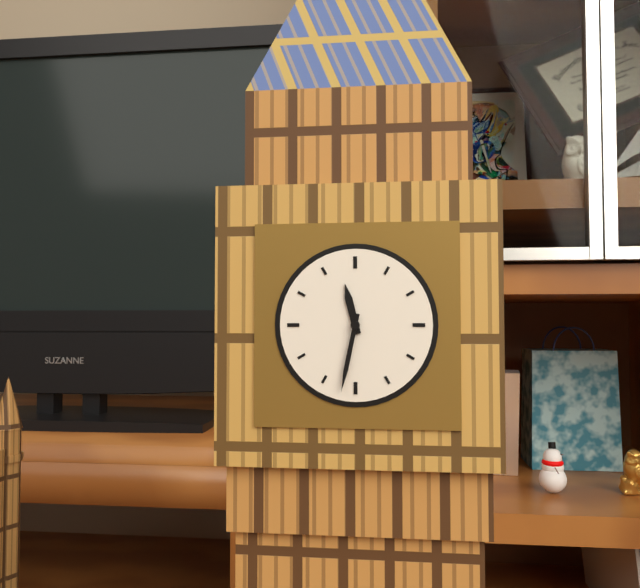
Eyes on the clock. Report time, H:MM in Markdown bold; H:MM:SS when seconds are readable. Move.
**11:32**
